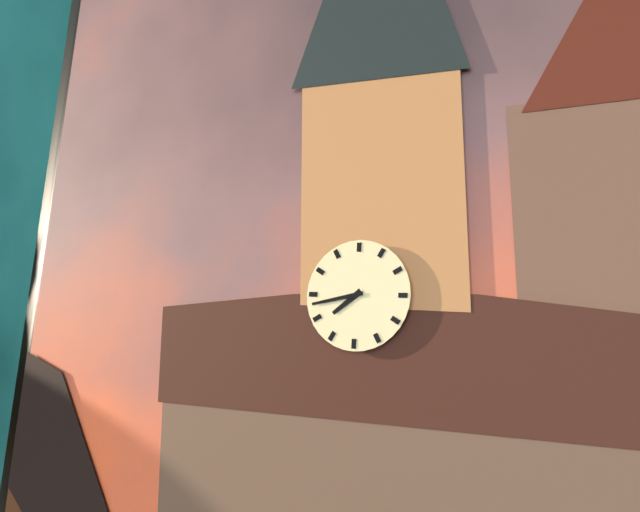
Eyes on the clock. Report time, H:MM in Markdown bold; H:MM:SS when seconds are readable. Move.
**7:43**
